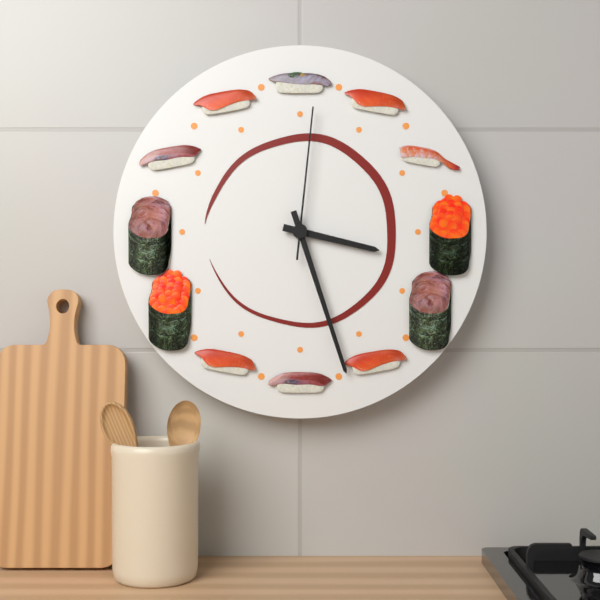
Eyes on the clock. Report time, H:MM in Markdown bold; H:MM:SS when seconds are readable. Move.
**3:27:01**
